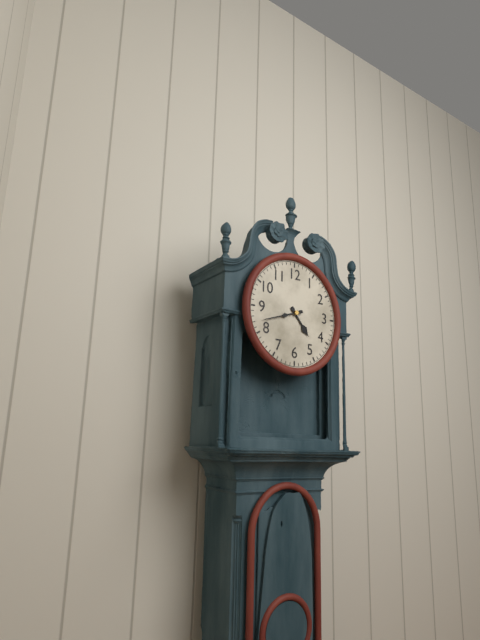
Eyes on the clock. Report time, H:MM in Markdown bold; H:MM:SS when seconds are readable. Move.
**4:42**
